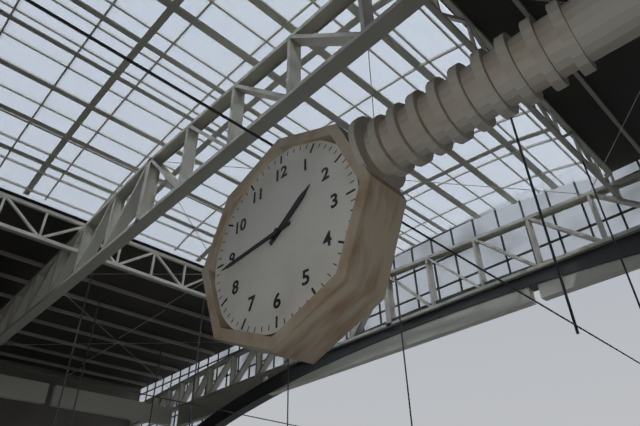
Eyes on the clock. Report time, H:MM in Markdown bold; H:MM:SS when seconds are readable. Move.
**1:44**
